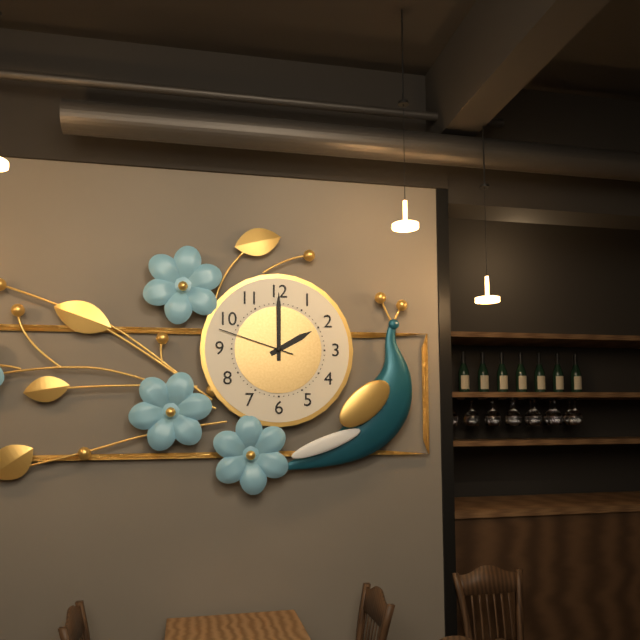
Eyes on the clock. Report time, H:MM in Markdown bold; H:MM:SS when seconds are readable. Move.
**2:00:48**
